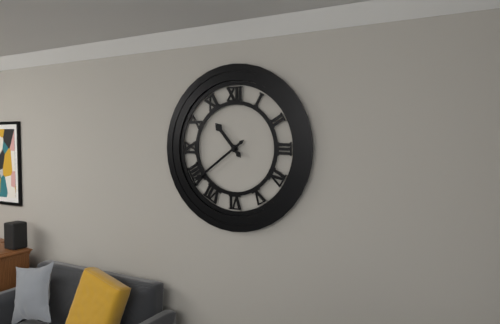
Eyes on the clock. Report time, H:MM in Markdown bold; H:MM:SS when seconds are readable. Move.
**10:39**
